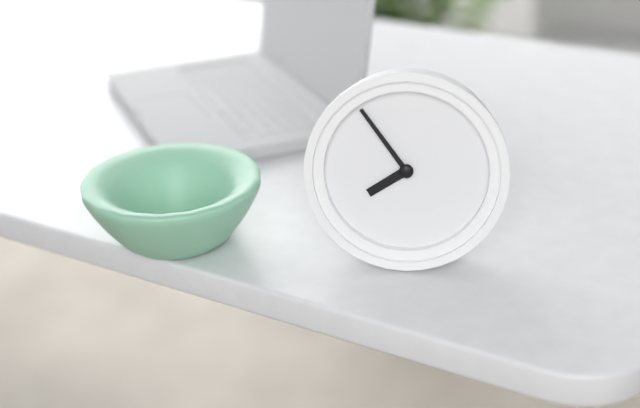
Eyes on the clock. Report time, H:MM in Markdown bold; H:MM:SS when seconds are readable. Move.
**7:54**
